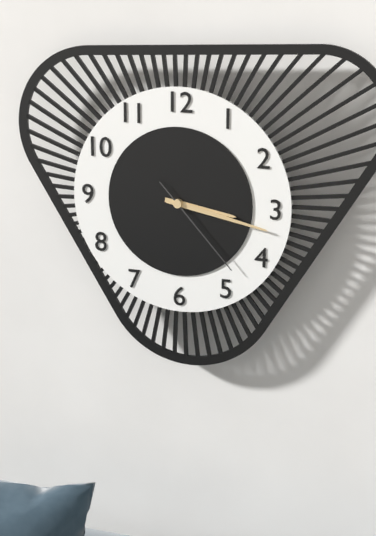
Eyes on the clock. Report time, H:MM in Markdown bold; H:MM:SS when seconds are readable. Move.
**3:17:23**
